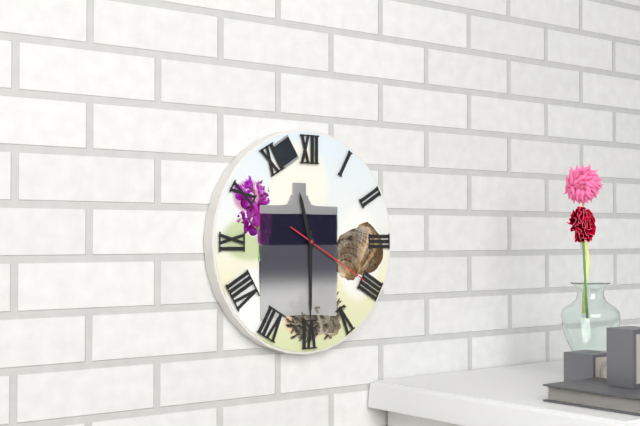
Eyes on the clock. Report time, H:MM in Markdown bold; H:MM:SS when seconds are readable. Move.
**11:30:20**
